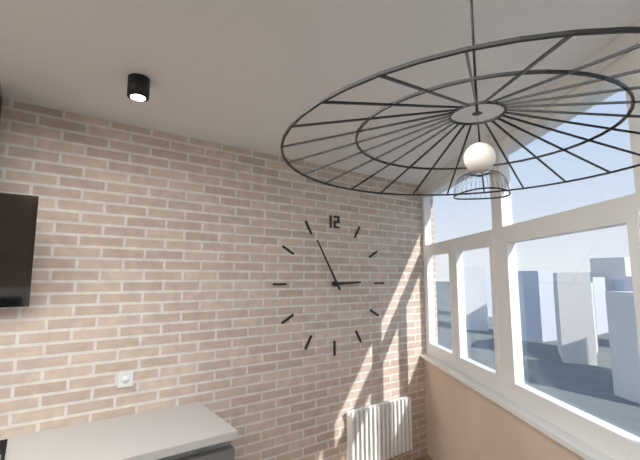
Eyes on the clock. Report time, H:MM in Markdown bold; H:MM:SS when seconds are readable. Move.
**2:55**
